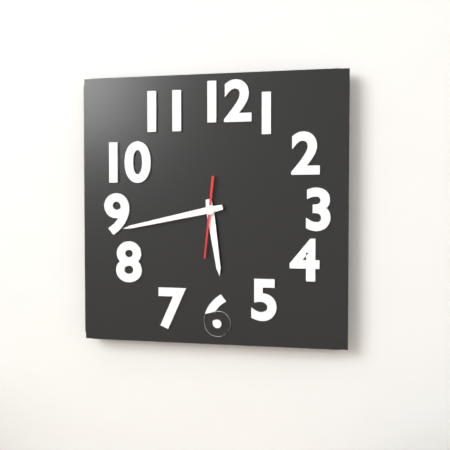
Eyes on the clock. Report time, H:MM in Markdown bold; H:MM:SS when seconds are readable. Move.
**5:43:31**
